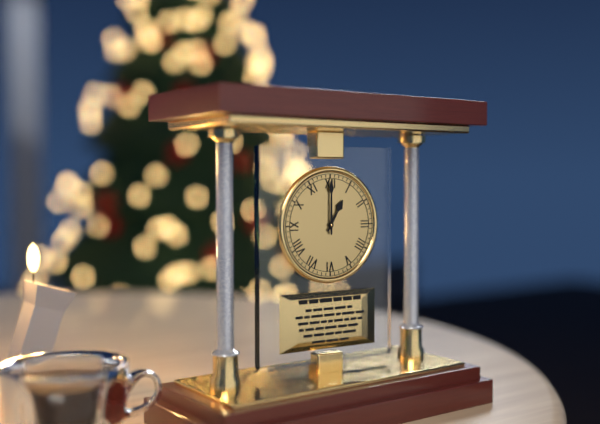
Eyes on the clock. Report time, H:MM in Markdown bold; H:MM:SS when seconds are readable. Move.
**1:00**
